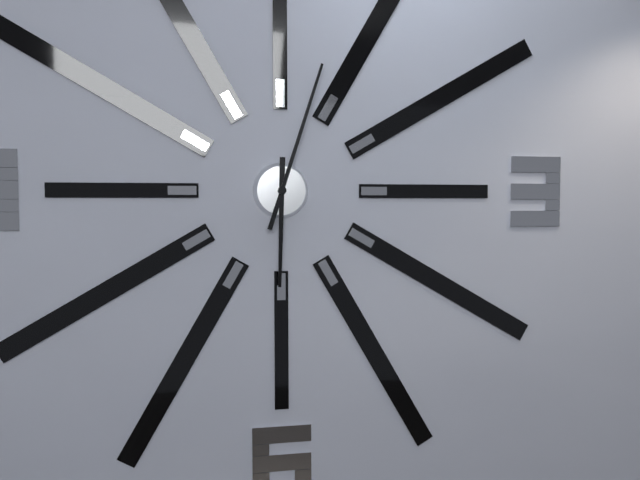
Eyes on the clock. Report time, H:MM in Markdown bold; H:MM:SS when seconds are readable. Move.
**6:03**
